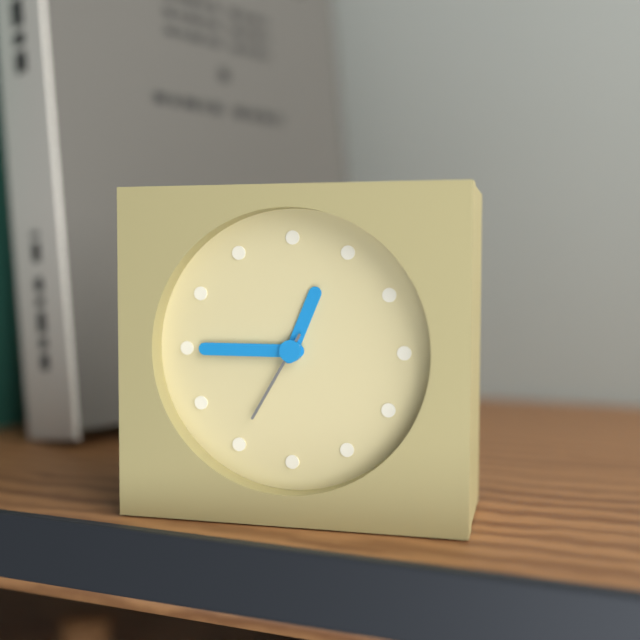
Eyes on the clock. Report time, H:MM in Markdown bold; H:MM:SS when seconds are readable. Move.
**12:45:35**
